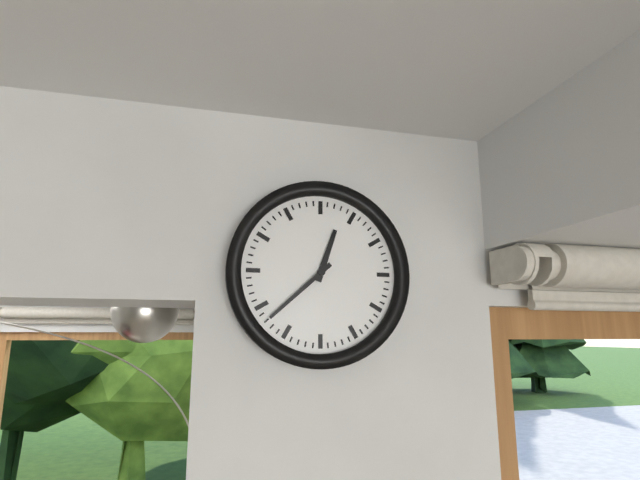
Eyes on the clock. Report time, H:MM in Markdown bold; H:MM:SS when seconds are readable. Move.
**12:38**
